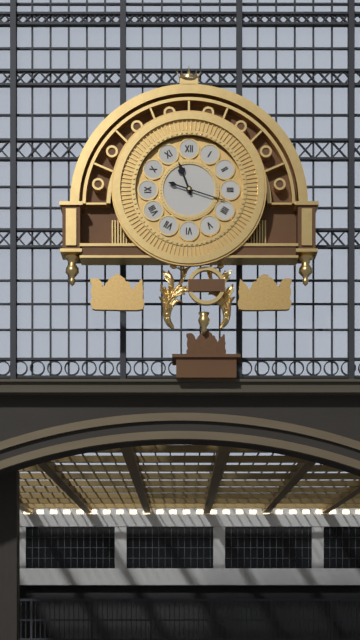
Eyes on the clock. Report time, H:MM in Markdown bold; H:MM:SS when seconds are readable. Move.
**11:18**
